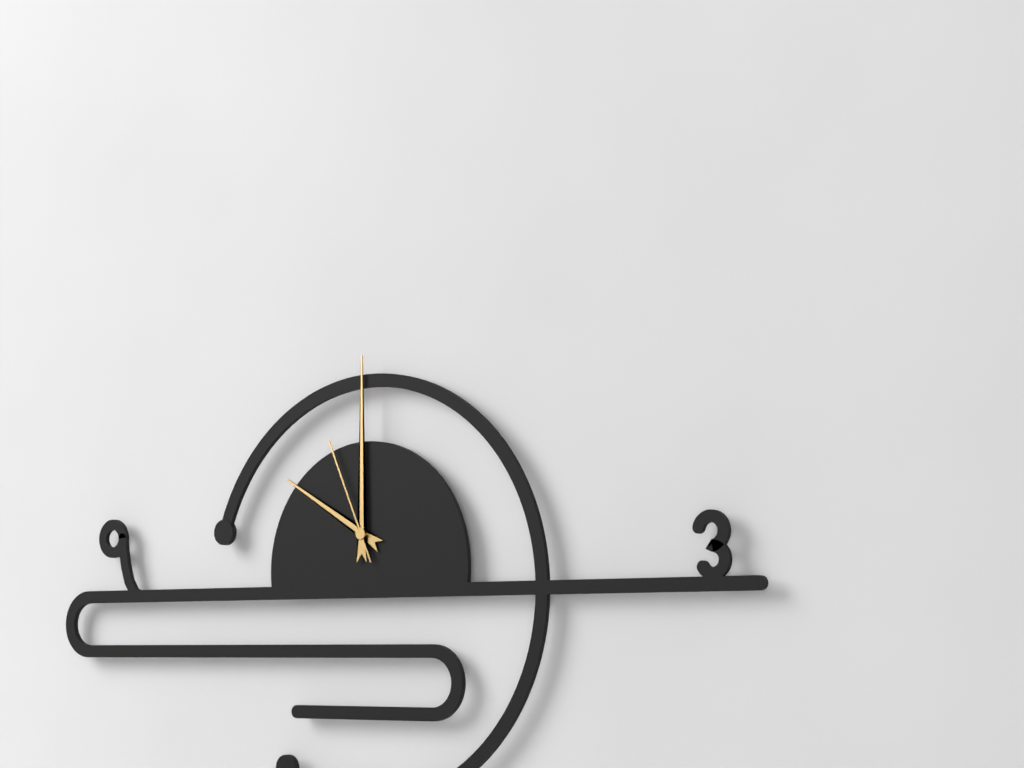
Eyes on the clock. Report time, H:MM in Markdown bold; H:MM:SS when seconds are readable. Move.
**10:00:56**
